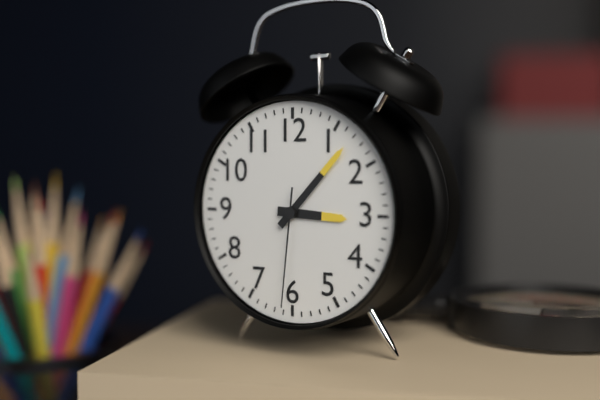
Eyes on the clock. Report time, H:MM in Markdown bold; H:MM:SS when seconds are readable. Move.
**3:07:31**
